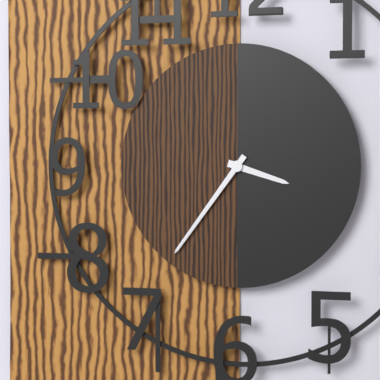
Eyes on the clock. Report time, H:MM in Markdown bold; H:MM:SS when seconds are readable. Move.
**3:36**
